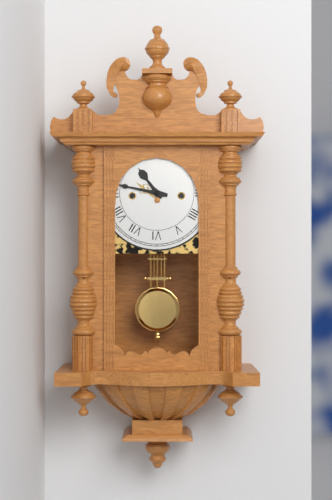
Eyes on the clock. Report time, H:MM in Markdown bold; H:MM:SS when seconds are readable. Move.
**10:47**
